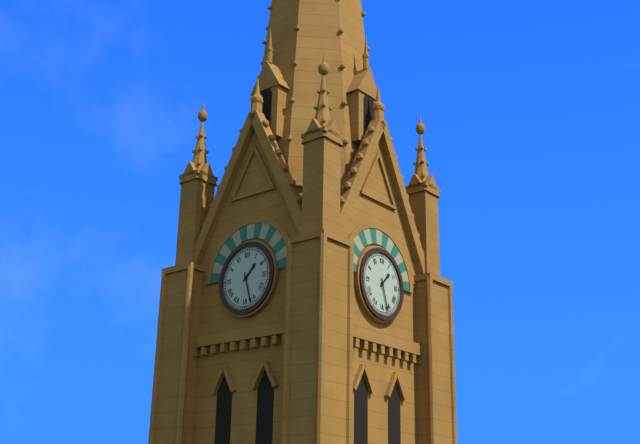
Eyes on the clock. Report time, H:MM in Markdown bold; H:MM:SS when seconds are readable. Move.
**1:27**
